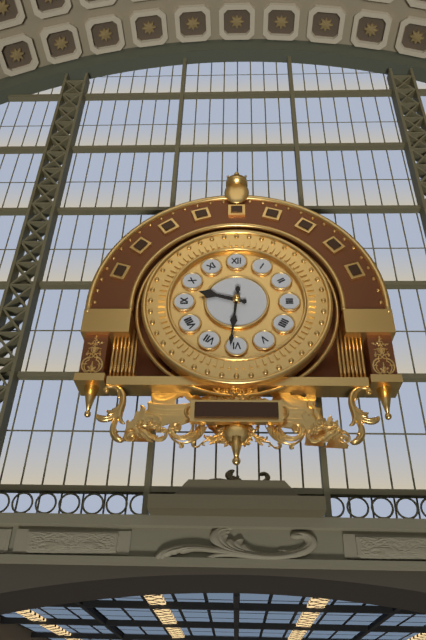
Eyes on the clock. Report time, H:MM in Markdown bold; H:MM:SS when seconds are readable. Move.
**9:31**
